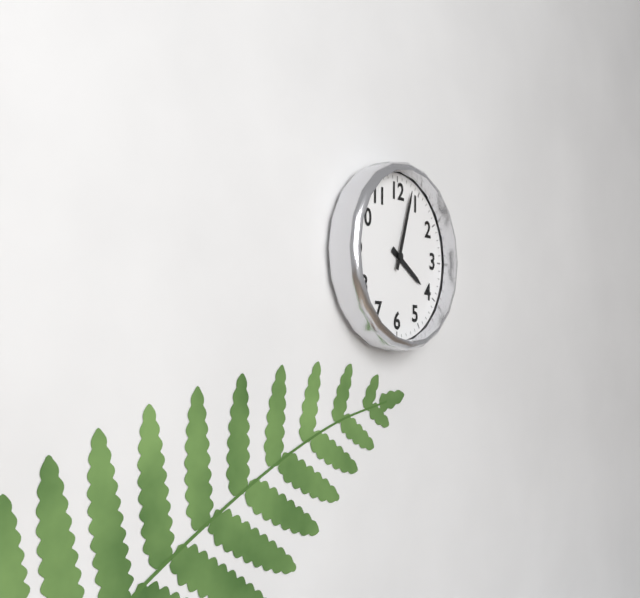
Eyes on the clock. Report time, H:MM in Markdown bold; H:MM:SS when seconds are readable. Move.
**4:03**
